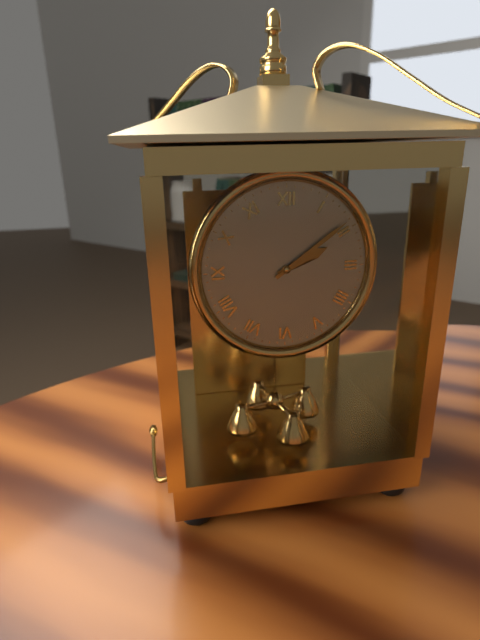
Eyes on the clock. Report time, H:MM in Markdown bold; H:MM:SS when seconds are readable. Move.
**2:09**
